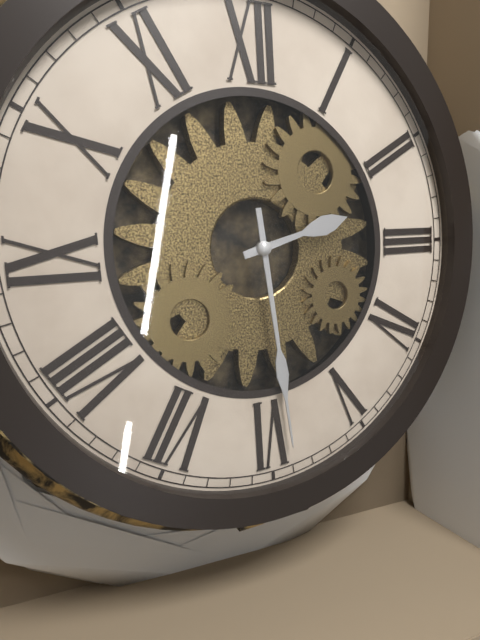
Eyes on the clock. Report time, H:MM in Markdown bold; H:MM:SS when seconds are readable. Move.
**2:29**
